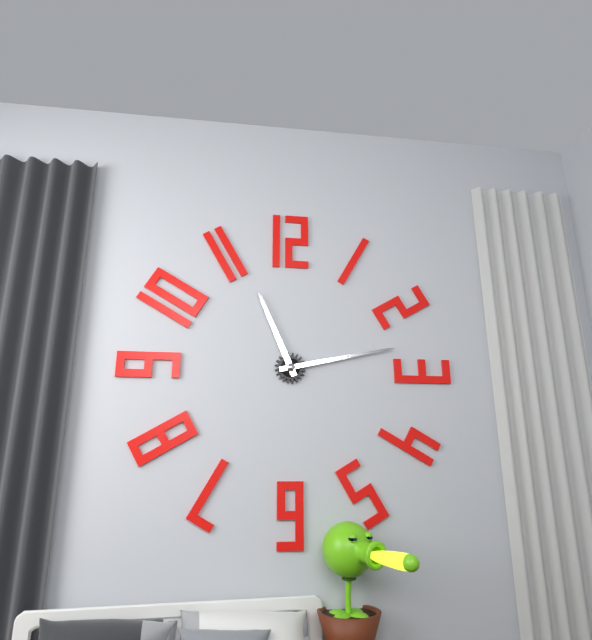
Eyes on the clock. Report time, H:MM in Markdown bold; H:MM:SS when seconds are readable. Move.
**11:13**
